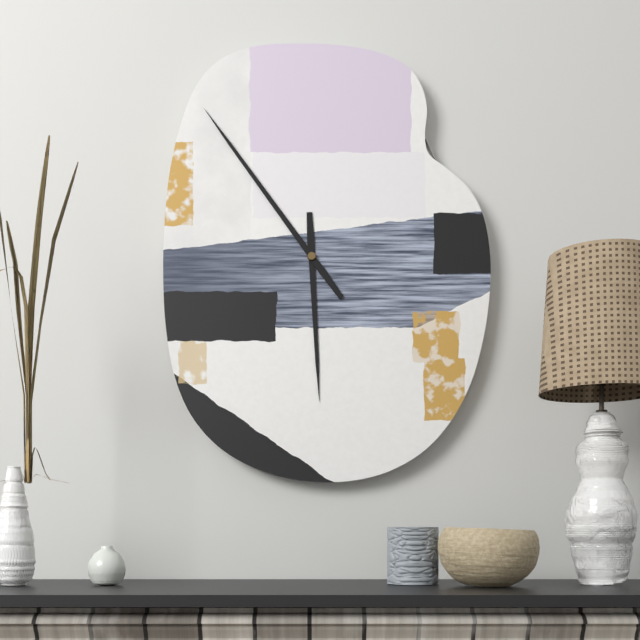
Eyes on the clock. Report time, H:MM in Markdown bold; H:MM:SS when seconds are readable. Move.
**5:54**
